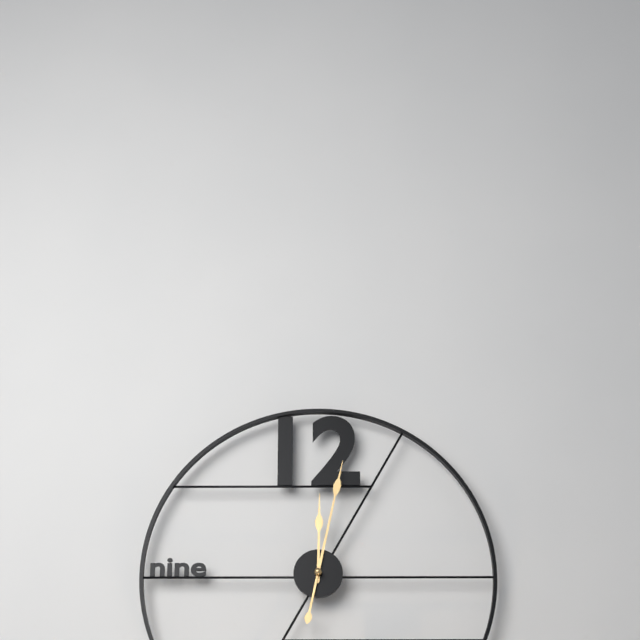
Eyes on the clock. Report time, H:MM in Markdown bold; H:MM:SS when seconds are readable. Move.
**12:02**
